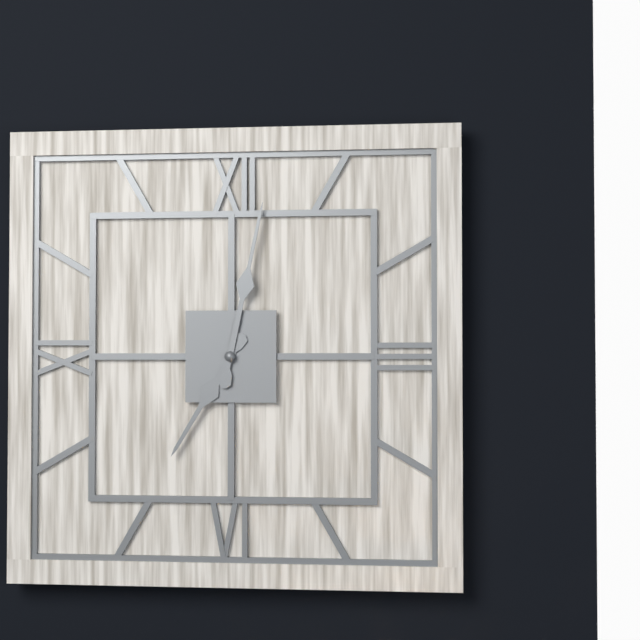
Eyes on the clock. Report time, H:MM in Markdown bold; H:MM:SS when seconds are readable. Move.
**7:02**
